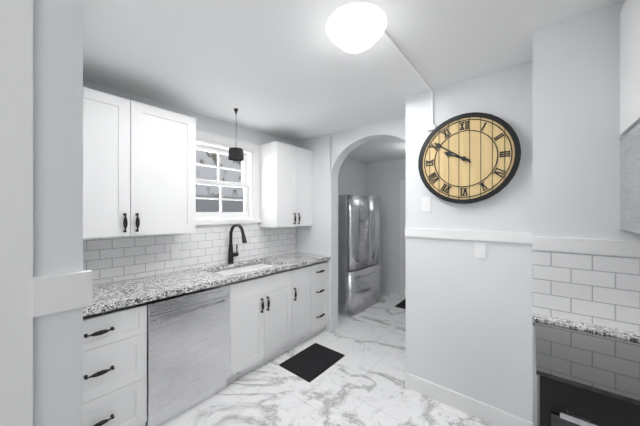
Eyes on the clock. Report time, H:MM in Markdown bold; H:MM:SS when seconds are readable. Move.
**9:51**
